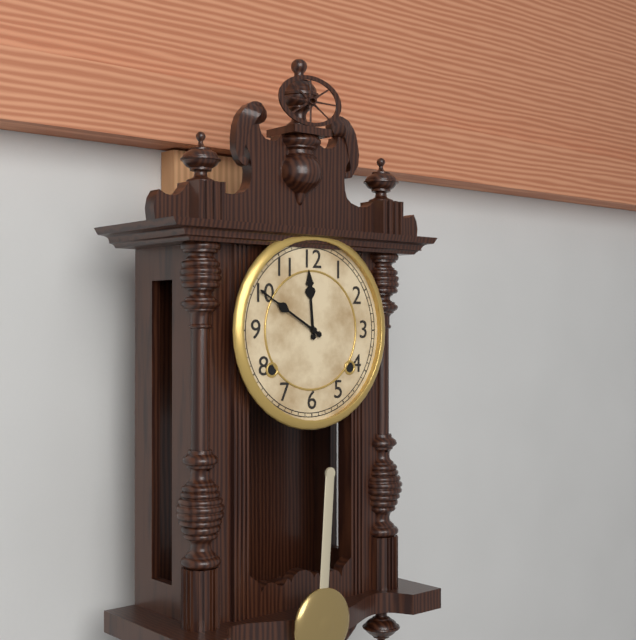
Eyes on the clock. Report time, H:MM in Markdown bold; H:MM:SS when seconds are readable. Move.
**11:50**
